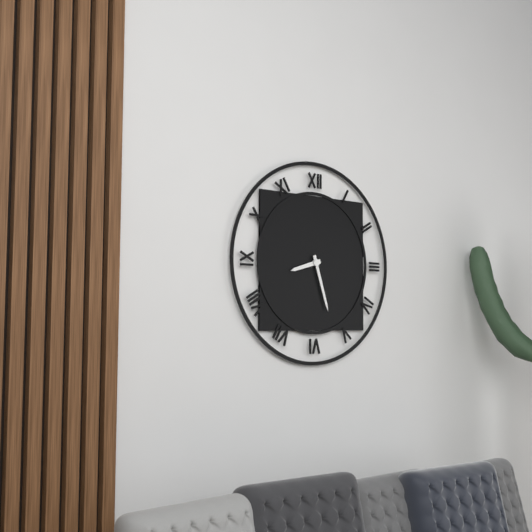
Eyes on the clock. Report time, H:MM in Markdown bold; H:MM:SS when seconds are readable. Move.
**8:27**
